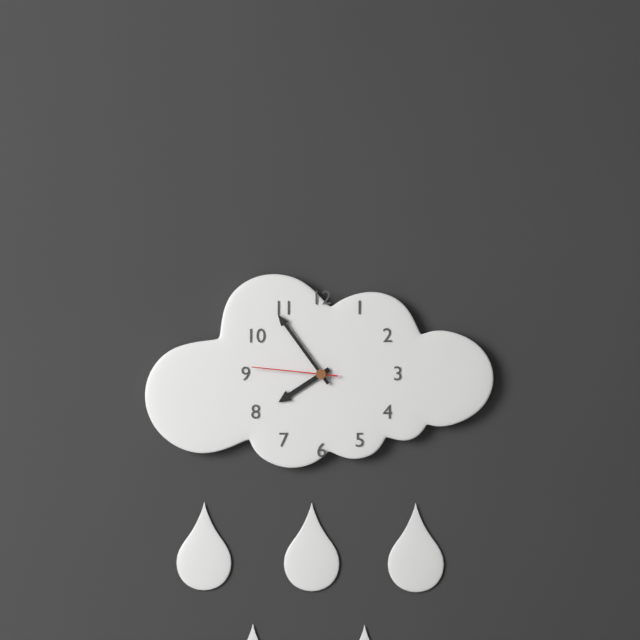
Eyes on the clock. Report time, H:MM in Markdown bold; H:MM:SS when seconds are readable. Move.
**7:54:46**
